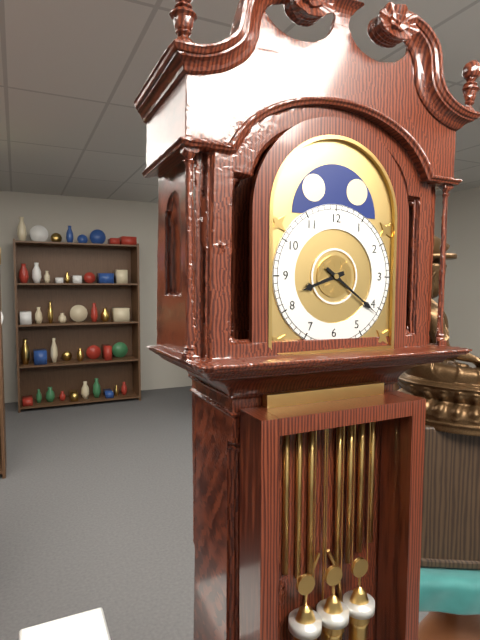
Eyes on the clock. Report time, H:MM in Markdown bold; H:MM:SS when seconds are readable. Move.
**8:21**
